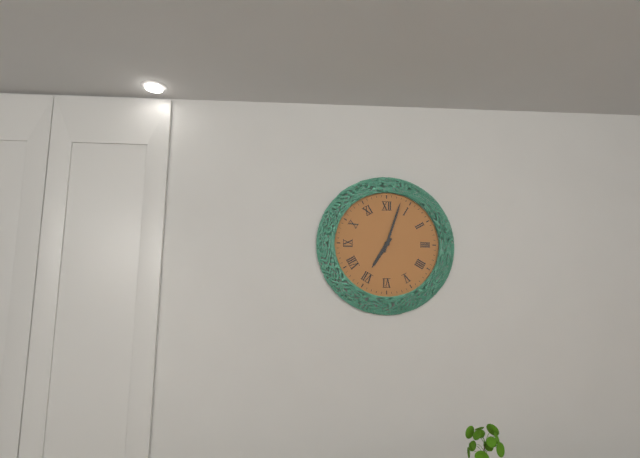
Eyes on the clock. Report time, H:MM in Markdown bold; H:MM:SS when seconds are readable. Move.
**7:03**
